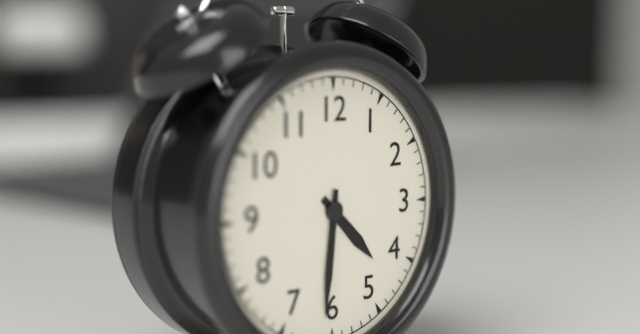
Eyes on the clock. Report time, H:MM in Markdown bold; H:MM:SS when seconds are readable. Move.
**4:31**
